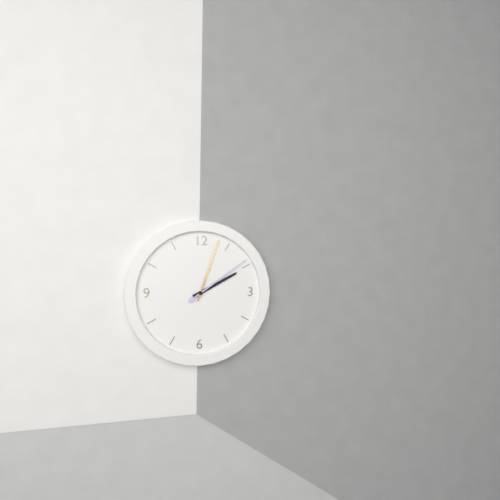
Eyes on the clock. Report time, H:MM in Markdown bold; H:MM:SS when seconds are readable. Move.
**2:03:09**
